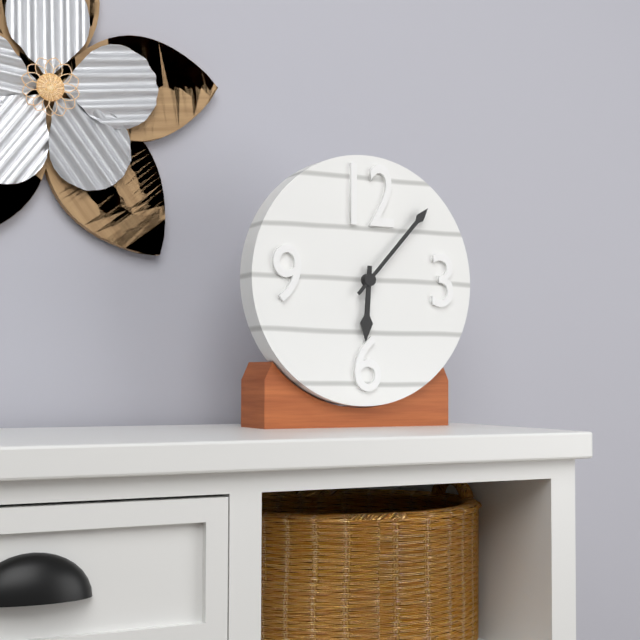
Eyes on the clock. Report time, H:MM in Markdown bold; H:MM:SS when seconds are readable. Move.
**6:07**
